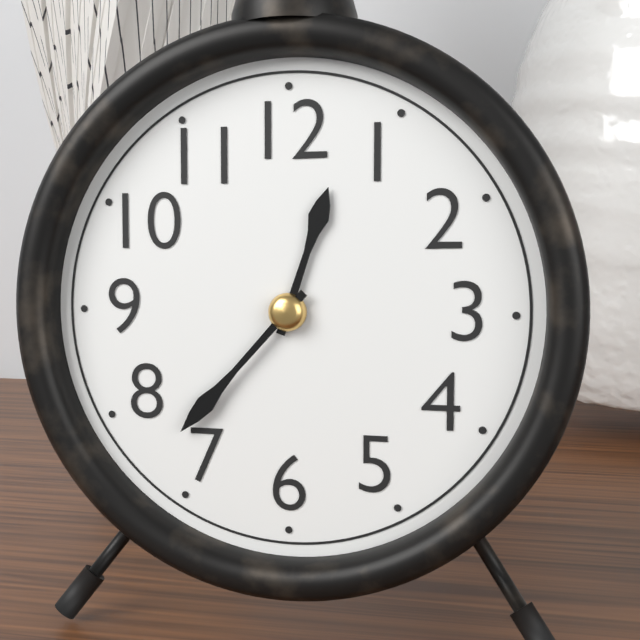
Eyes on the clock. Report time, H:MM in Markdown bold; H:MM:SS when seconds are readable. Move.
**12:37**
